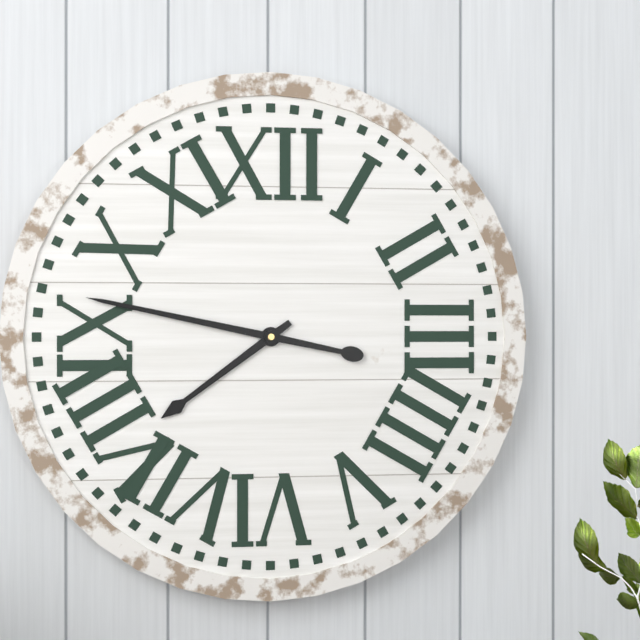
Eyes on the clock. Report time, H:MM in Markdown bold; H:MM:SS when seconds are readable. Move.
**7:47**
